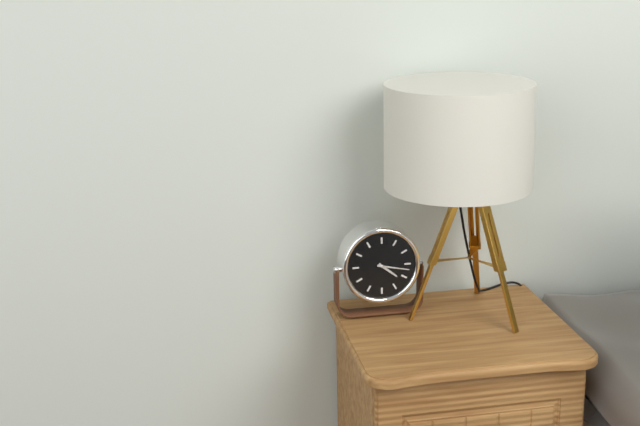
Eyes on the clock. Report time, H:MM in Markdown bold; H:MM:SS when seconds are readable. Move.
**4:17**
